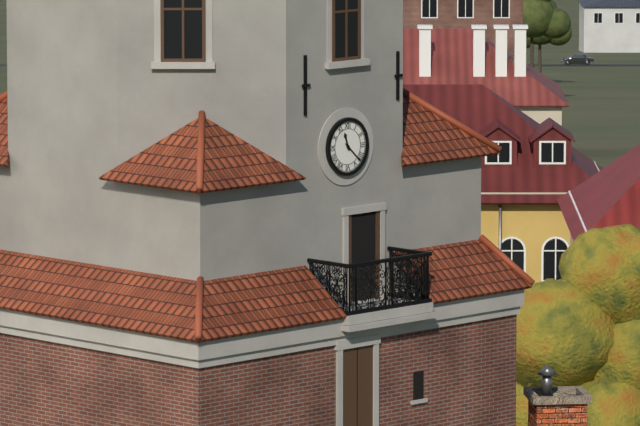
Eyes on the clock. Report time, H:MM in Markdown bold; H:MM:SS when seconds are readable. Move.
**11:22**
